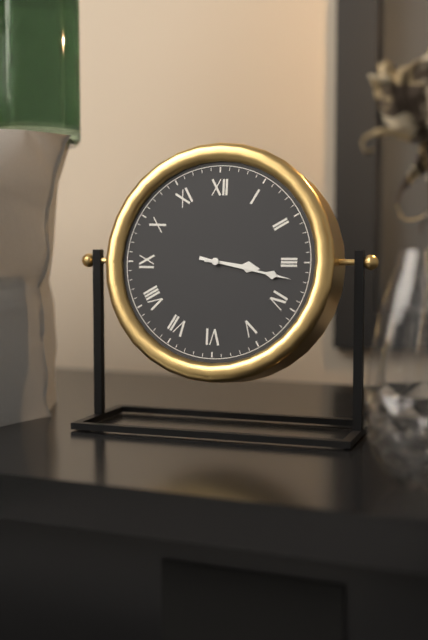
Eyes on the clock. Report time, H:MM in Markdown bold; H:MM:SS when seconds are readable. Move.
**3:17**
